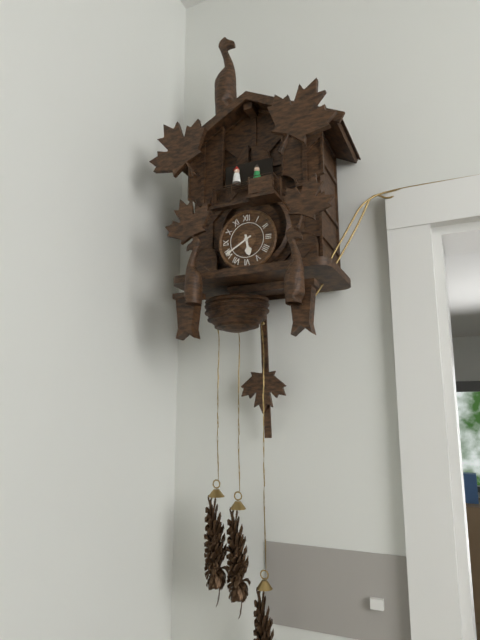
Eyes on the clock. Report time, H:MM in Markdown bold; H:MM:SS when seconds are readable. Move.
**5:40**
